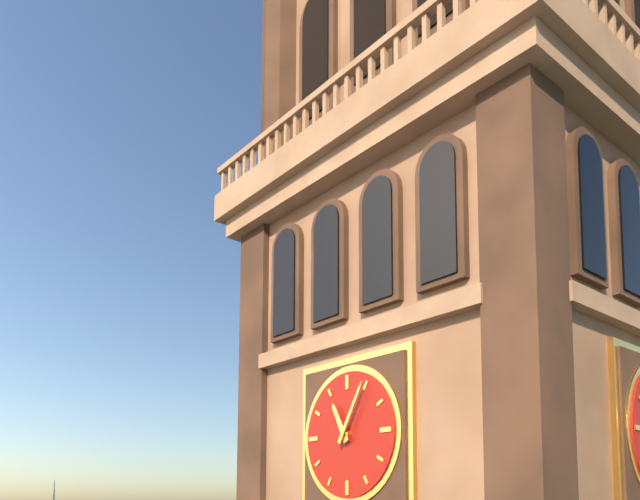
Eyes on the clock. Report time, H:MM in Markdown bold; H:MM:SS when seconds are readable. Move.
**11:05**
